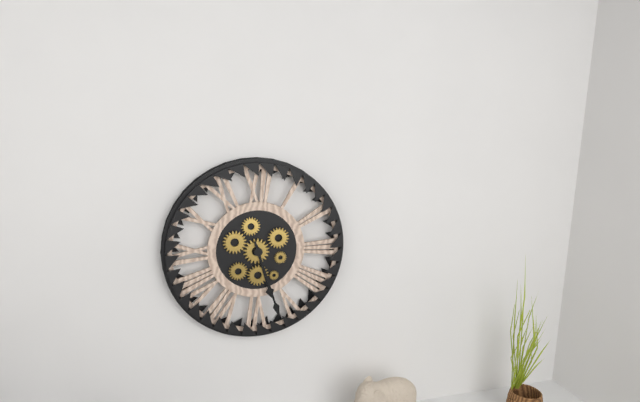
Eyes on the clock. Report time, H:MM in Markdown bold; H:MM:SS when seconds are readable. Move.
**5:27**
